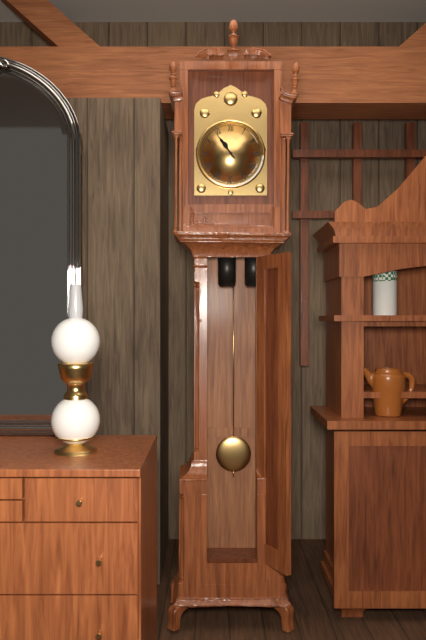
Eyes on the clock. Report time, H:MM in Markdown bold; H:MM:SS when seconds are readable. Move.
**10:54**
